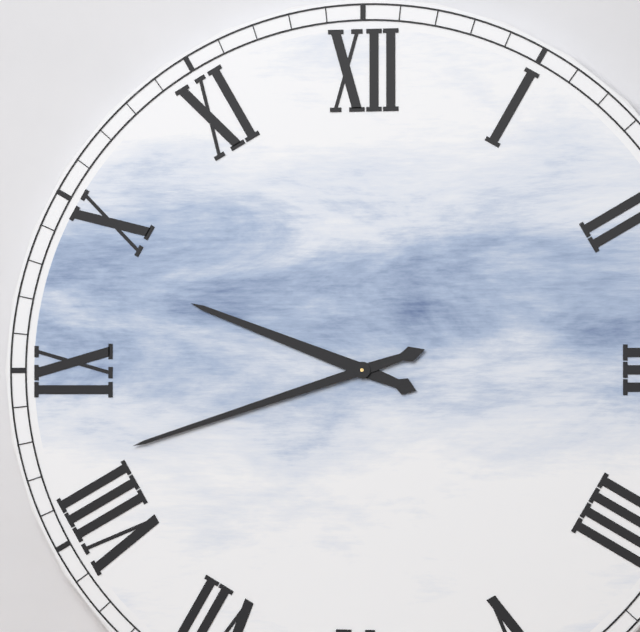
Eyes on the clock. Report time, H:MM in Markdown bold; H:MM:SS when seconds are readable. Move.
**9:42**
